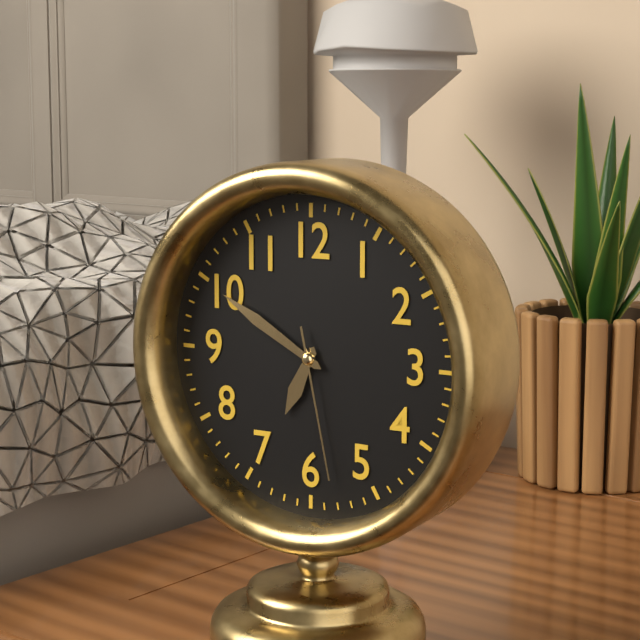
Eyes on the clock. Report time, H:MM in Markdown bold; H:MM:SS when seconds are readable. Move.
**6:50:28**
